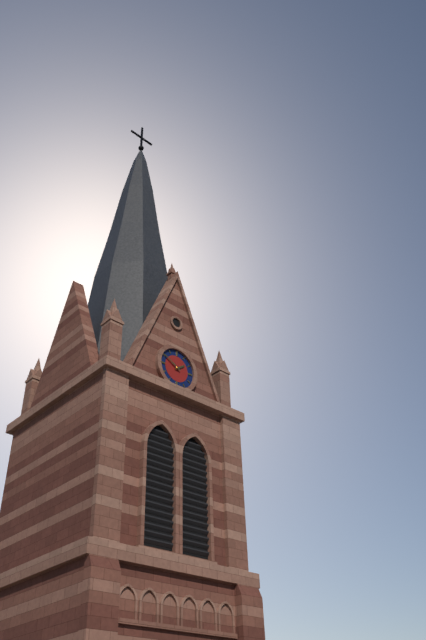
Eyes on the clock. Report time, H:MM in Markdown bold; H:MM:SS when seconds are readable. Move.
**1:50**
